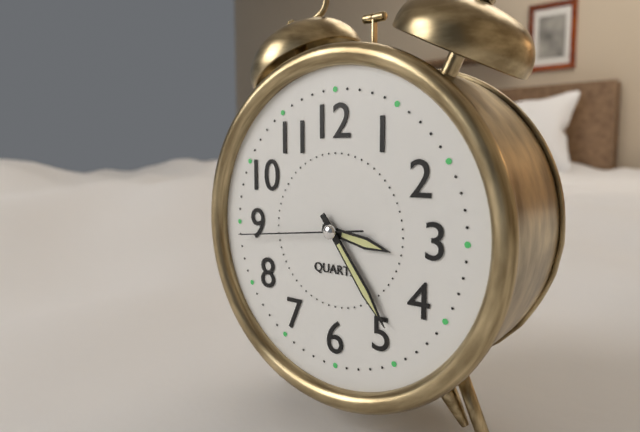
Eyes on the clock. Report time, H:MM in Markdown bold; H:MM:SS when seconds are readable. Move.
**3:24:44**
